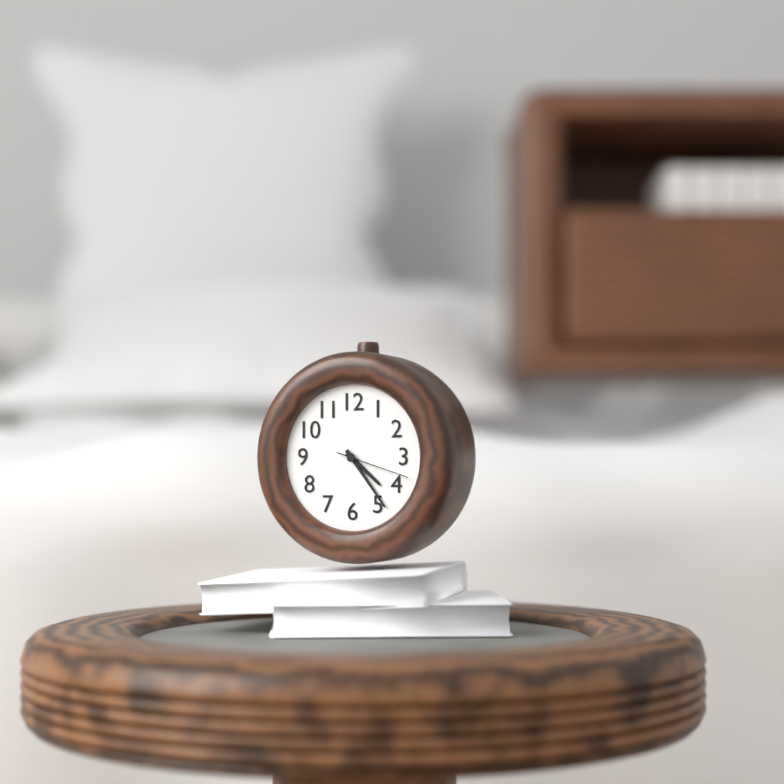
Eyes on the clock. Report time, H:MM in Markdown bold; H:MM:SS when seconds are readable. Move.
**4:24:18**
